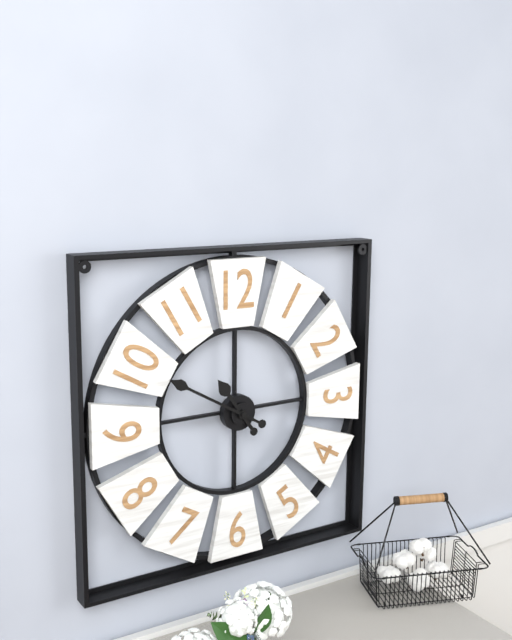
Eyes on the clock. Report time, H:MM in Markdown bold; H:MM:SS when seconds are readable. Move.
**10:50**
